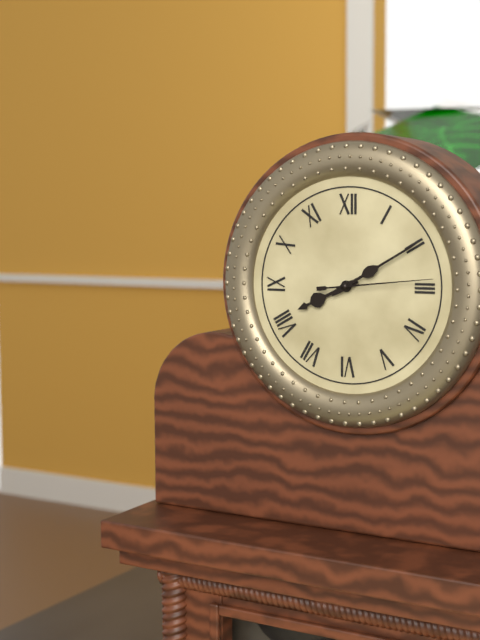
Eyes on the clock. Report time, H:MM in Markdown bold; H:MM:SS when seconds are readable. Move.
**8:10:14**
